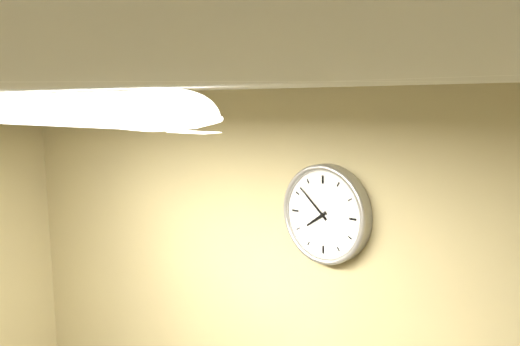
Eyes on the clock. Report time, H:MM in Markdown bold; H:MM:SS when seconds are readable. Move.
**7:52**
